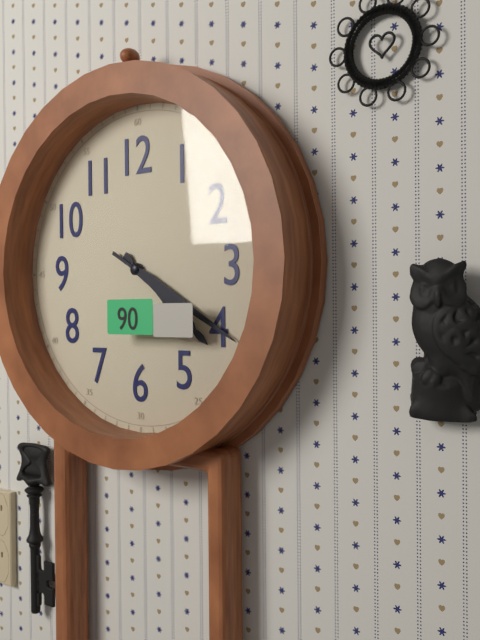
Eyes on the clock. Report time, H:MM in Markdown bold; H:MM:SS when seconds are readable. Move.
**4:20**
